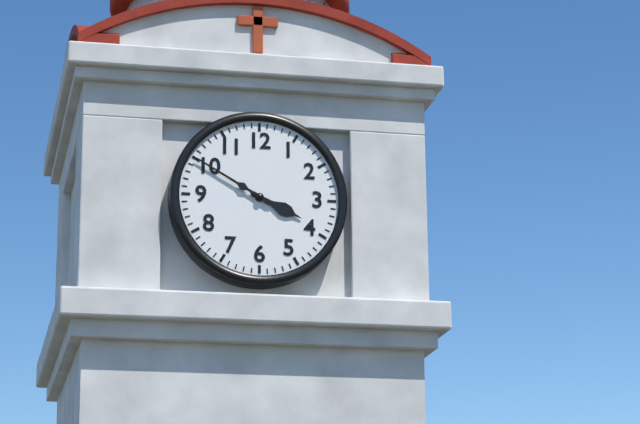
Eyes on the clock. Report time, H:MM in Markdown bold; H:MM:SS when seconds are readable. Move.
**3:50**
